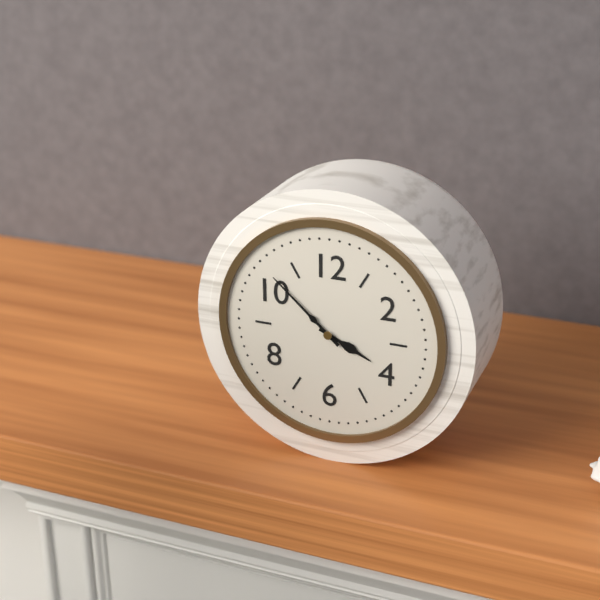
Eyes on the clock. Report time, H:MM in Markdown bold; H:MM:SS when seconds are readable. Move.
**3:52**
